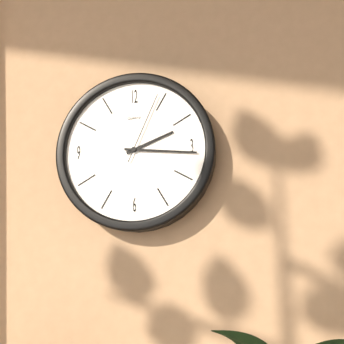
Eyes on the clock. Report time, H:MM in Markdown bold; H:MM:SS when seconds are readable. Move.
**2:16:04**
